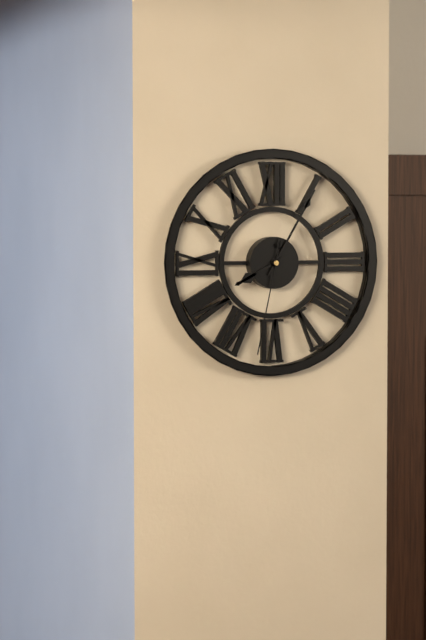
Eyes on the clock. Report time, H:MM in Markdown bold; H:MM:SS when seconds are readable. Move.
**8:05:32**
